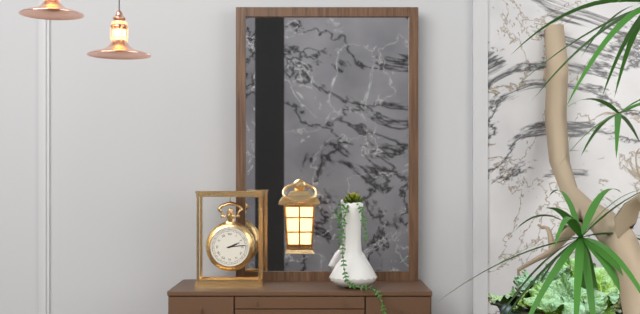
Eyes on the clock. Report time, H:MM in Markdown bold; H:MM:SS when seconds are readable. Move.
**2:14**
